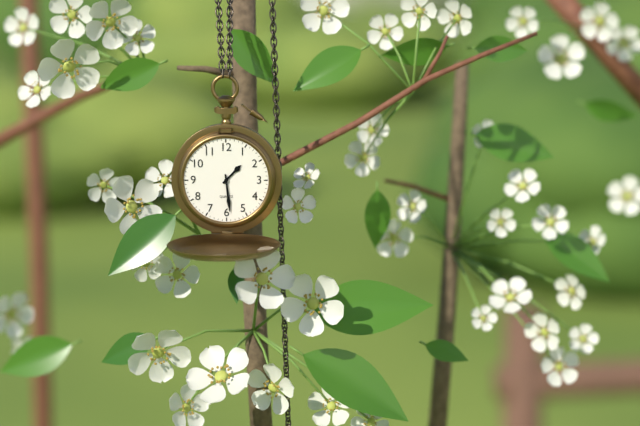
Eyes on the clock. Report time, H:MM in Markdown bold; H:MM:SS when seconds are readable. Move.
**1:29**
